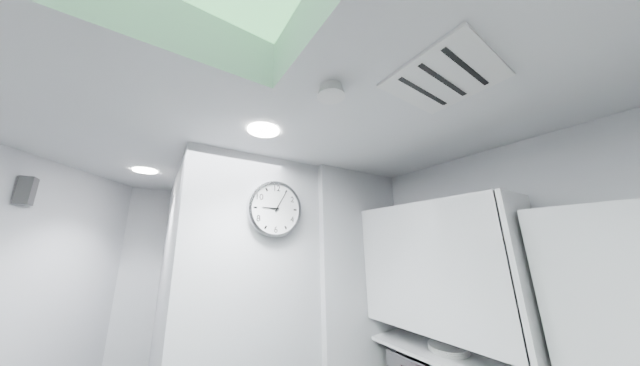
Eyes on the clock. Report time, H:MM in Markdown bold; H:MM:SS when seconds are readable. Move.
**9:05**
